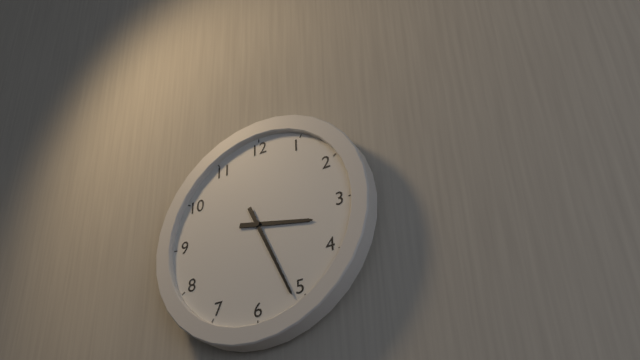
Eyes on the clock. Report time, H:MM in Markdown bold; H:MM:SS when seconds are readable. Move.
**3:26**
